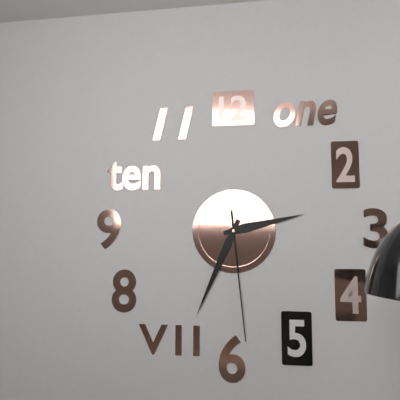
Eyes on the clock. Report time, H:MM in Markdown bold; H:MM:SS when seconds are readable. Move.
**2:34:29**
